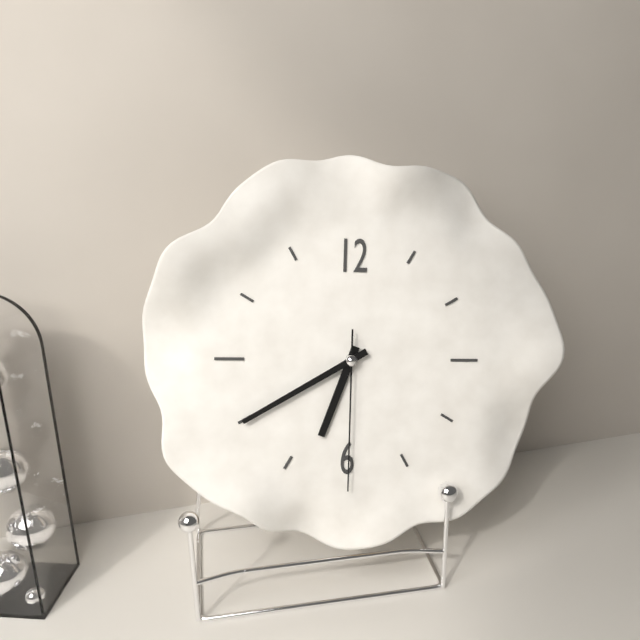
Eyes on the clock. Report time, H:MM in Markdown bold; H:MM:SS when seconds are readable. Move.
**6:40:30**
